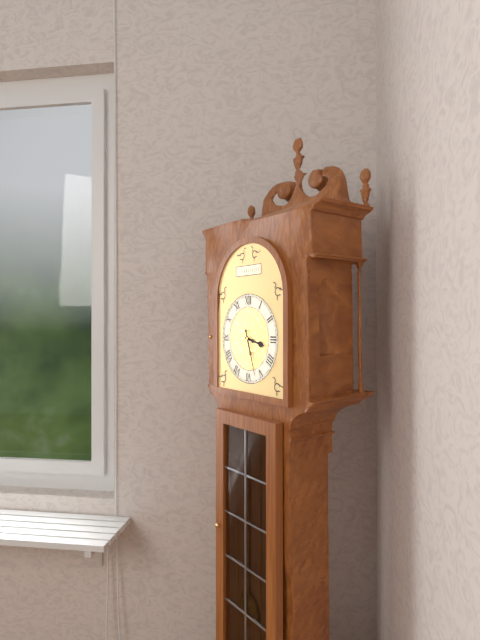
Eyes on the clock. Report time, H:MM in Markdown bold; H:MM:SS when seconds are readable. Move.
**3:27**
